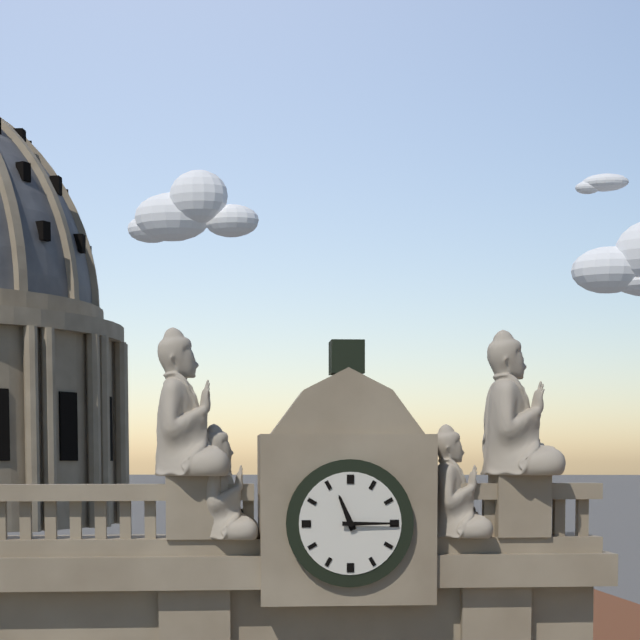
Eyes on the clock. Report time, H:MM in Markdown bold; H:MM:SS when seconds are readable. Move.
**11:15**
